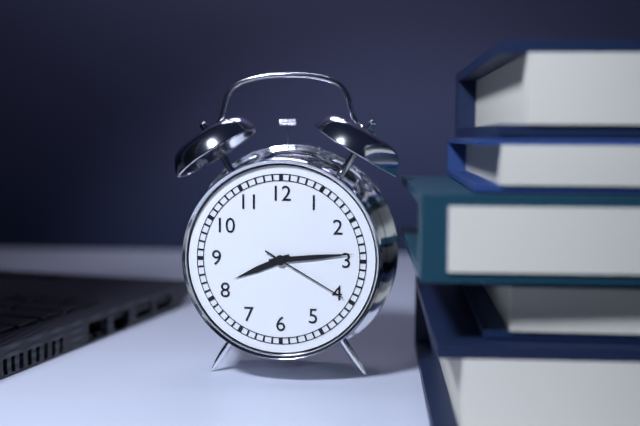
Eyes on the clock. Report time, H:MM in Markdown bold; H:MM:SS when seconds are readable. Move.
**8:14:20**
